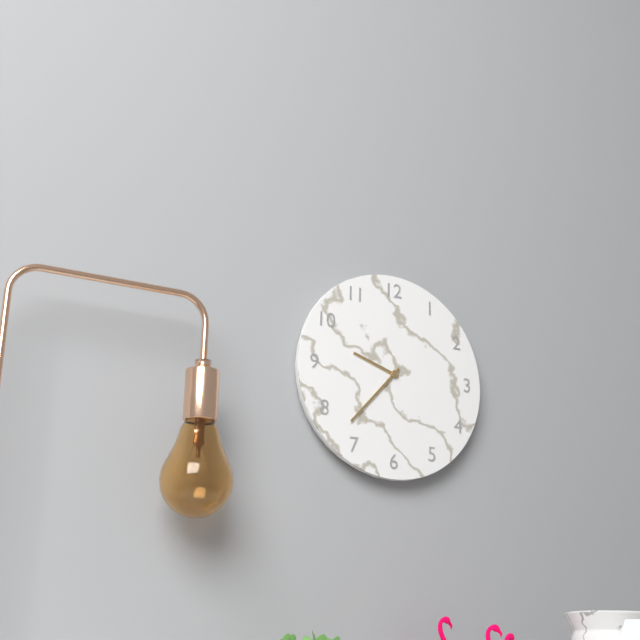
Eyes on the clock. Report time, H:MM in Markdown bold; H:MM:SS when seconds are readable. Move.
**9:37**
